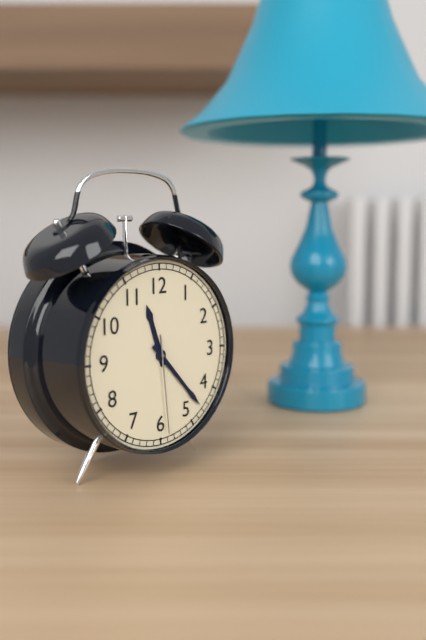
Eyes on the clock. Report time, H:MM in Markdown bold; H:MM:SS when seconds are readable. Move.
**11:23:29**
